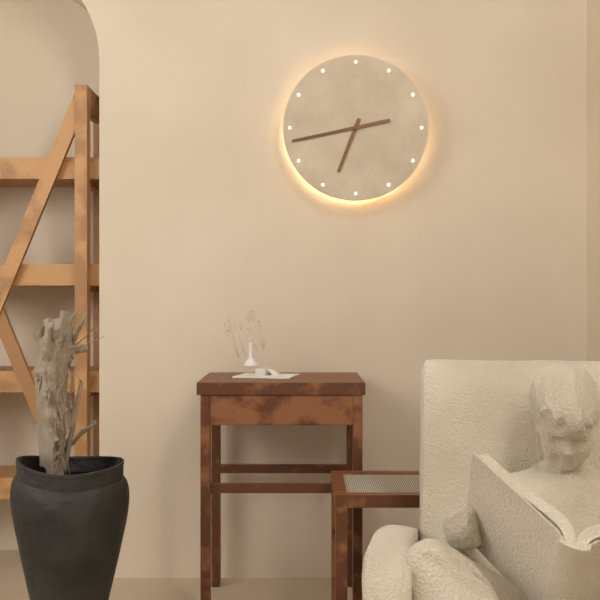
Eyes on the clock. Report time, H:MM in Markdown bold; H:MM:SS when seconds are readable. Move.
**6:43**
